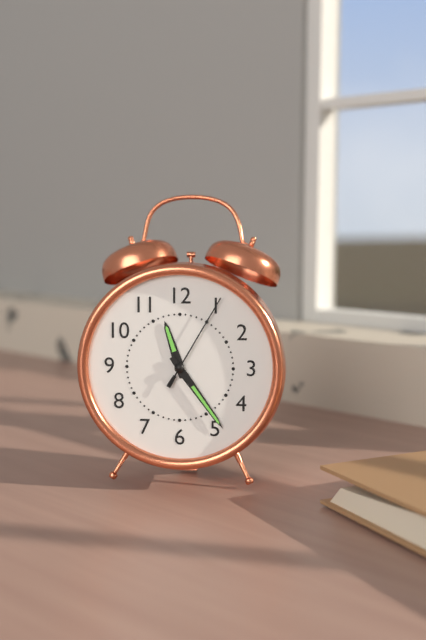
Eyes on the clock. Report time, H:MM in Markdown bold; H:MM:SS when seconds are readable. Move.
**11:24:05**
